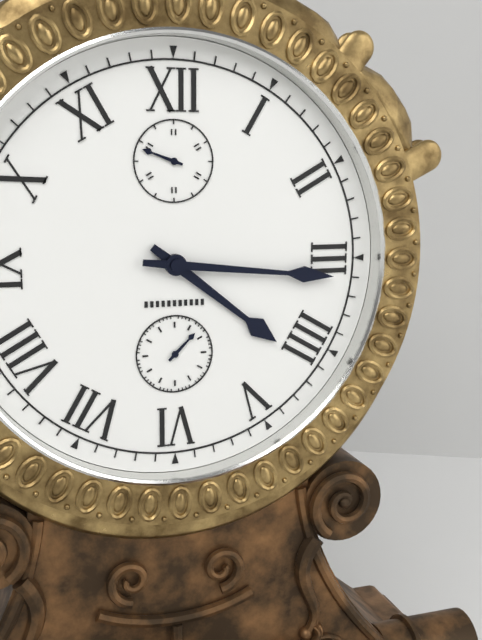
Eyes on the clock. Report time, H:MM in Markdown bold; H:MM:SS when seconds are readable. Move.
**4:16**
